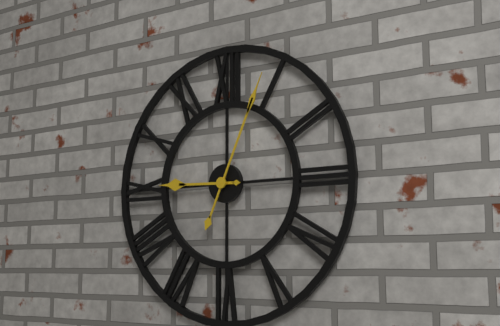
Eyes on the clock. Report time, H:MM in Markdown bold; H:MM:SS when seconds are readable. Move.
**9:04**
